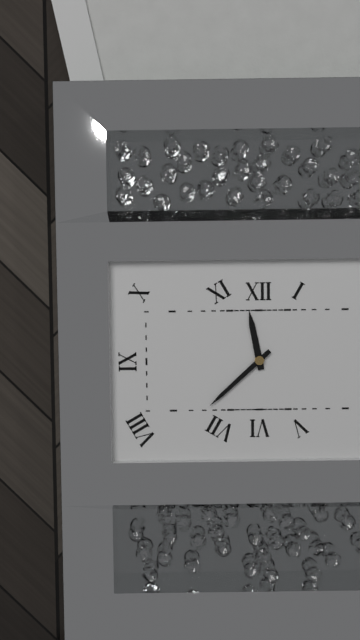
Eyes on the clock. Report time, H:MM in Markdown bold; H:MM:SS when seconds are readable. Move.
**11:38**
